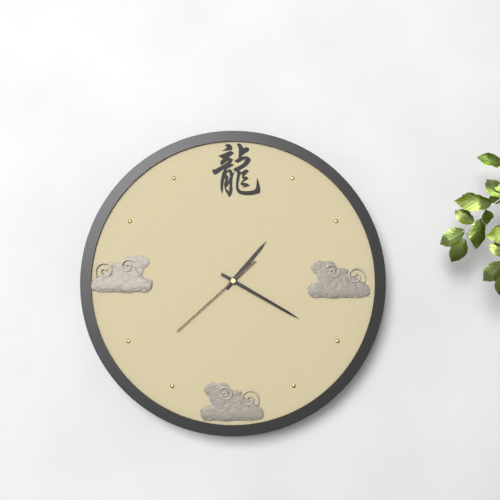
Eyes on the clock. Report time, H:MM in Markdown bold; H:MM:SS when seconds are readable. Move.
**1:20:38**
